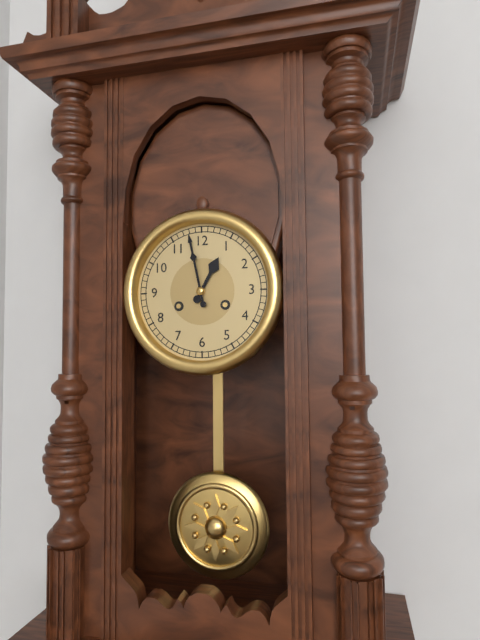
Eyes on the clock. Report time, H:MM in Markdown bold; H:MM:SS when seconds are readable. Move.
**12:58**
